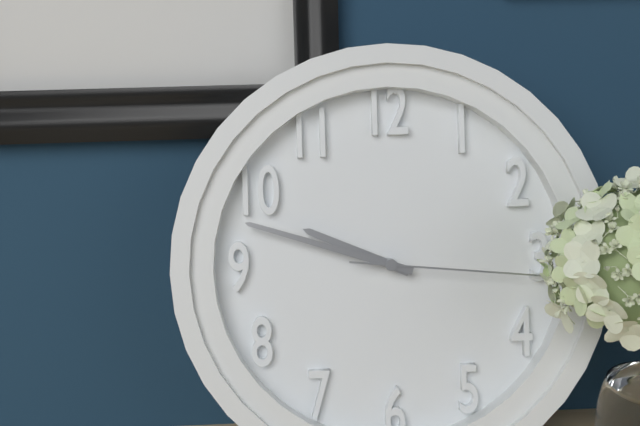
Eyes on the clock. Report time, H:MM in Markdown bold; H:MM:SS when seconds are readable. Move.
**9:48:16**
